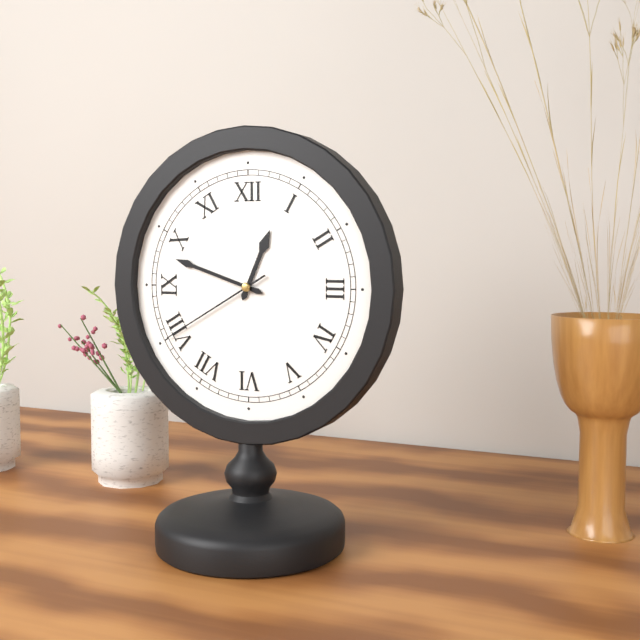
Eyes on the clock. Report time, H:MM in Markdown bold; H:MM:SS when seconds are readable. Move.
**12:48:40**
